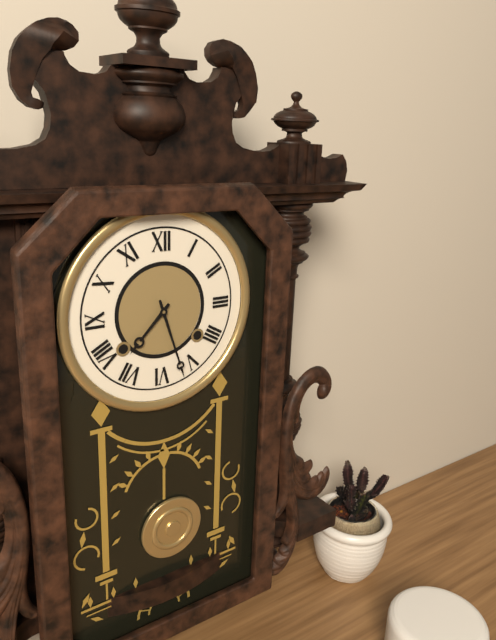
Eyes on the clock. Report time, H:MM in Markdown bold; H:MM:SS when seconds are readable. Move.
**7:27**
